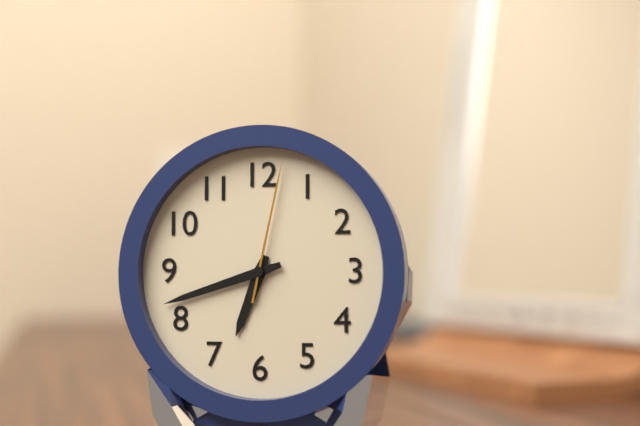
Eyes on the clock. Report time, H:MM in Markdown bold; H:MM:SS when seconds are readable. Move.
**6:42:02**
